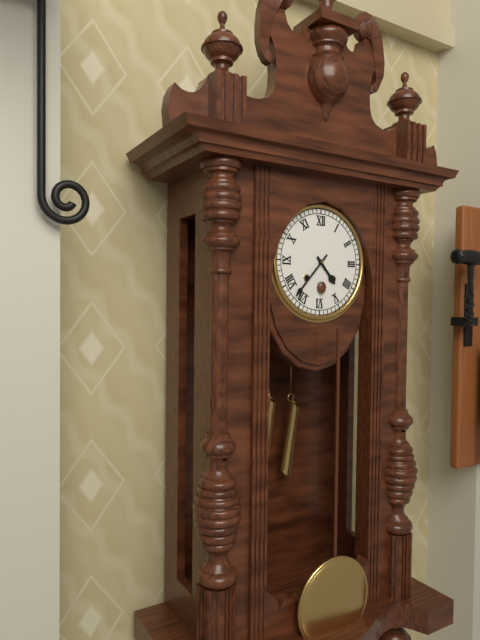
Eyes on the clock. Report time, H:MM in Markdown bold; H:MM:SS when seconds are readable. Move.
**4:37**
